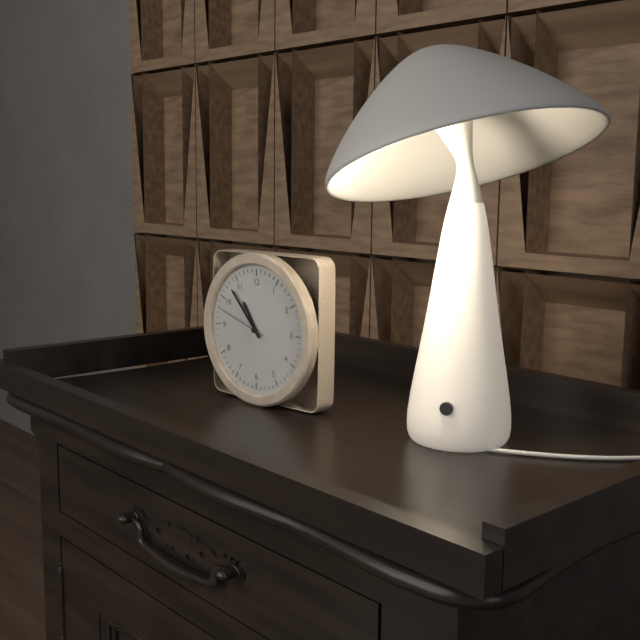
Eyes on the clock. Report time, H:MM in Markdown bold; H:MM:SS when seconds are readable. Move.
**10:53:48**
